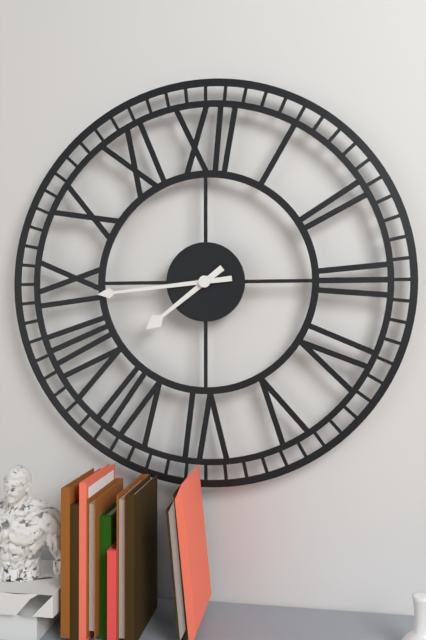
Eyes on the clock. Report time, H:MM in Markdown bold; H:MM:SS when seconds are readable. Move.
**7:44**
